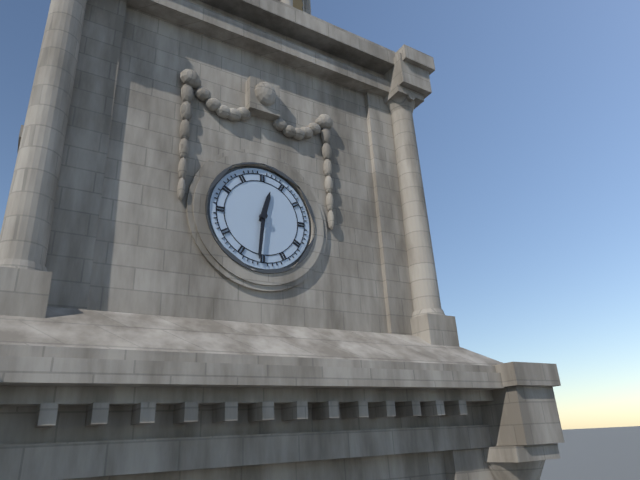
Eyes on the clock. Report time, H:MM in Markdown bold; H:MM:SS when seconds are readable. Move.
**12:31**
